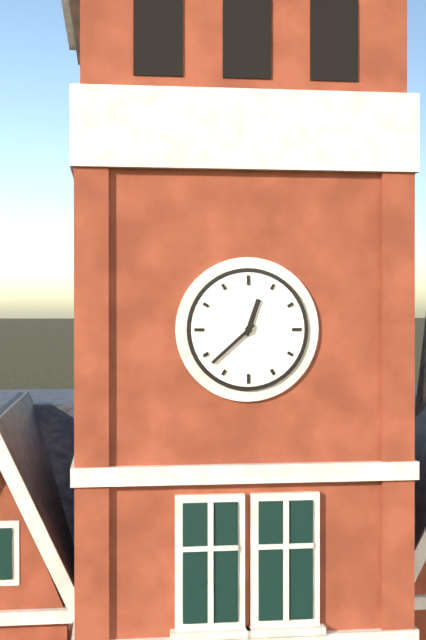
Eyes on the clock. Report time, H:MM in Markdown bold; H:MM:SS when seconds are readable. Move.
**12:38**
